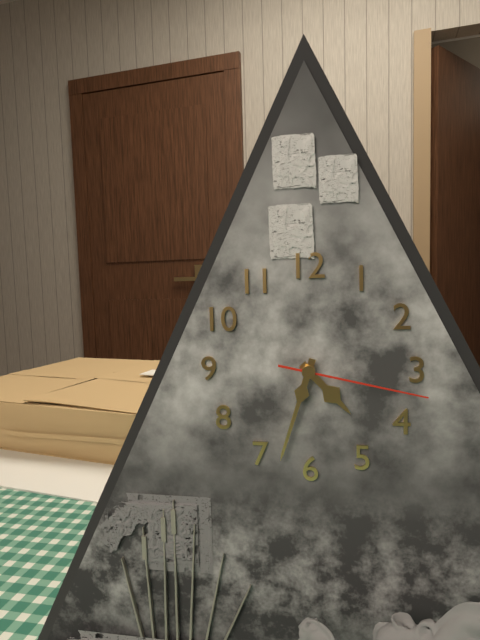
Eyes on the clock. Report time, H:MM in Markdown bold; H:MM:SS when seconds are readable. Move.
**4:33:17**
